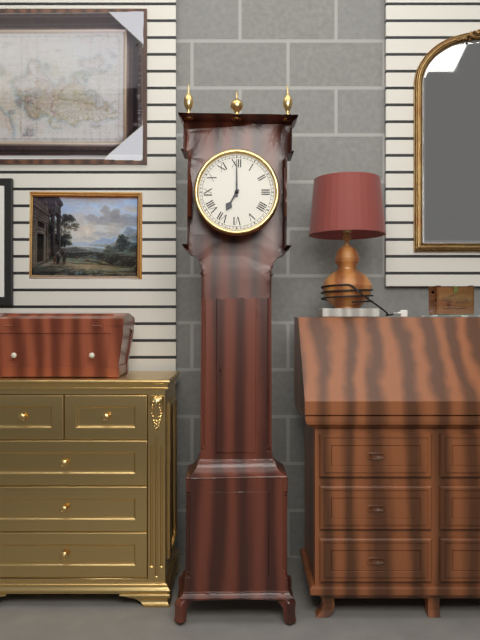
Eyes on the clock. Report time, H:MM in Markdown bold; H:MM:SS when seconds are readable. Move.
**7:00**
